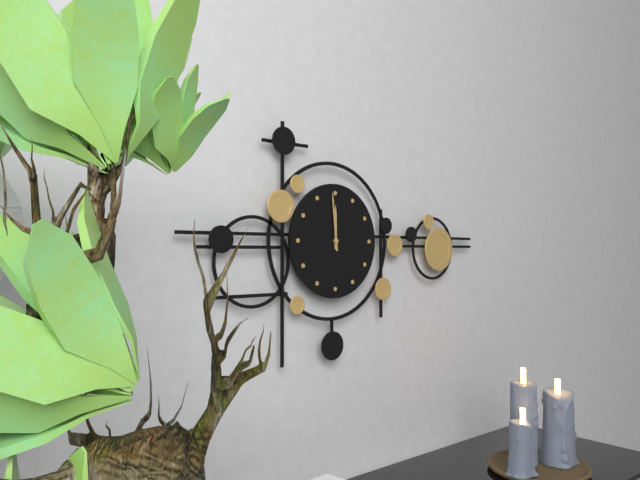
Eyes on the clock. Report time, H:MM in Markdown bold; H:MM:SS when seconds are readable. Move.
**11:59**
